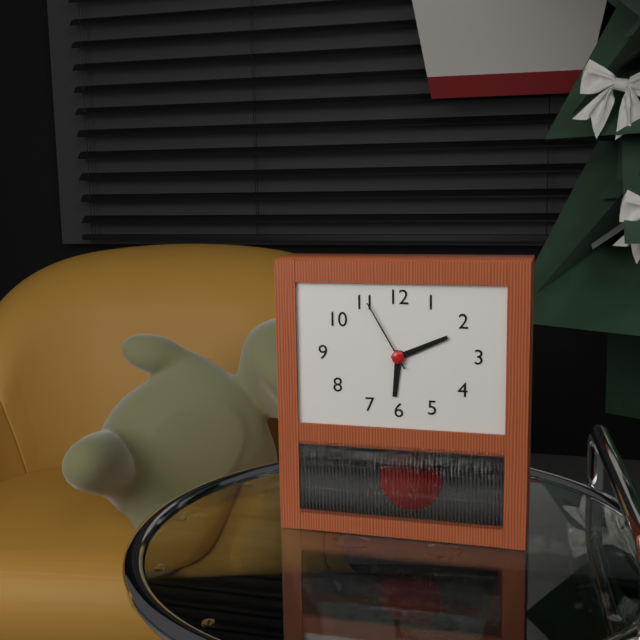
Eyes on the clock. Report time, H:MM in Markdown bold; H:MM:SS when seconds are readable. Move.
**6:11:55**
